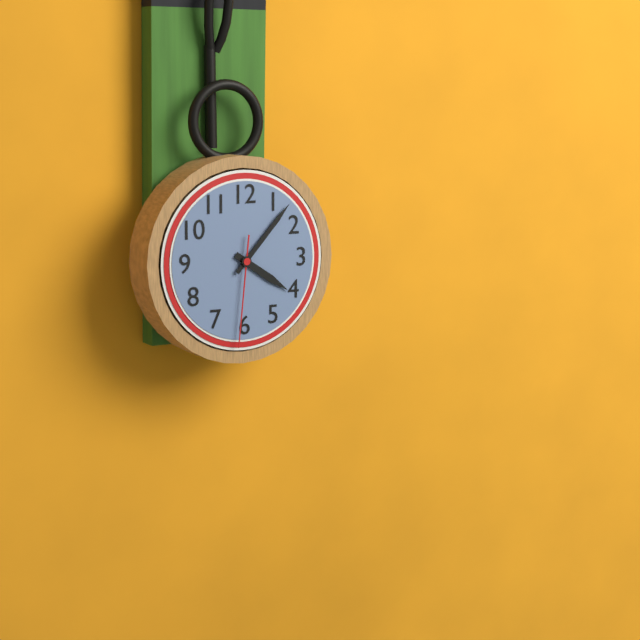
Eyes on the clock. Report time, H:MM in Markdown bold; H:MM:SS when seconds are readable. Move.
**4:07:31**
